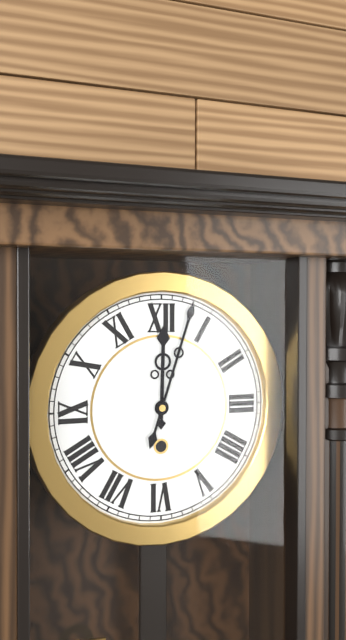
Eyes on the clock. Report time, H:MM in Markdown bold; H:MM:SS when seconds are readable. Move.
**12:03**
